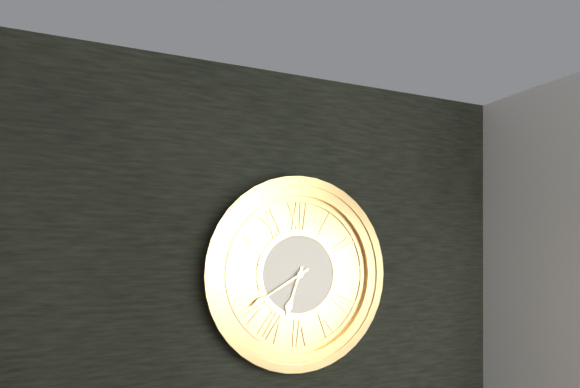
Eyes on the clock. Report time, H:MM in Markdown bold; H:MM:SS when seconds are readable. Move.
**6:40**
